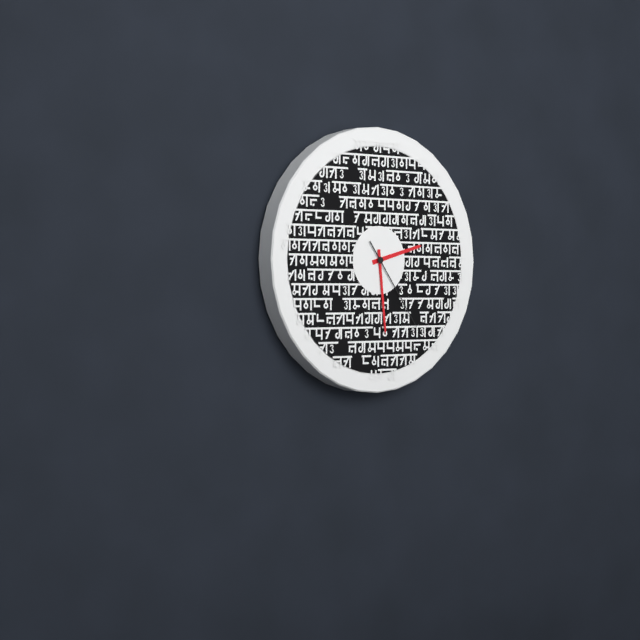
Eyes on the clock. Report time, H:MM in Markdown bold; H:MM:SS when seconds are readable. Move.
**2:29:24**
